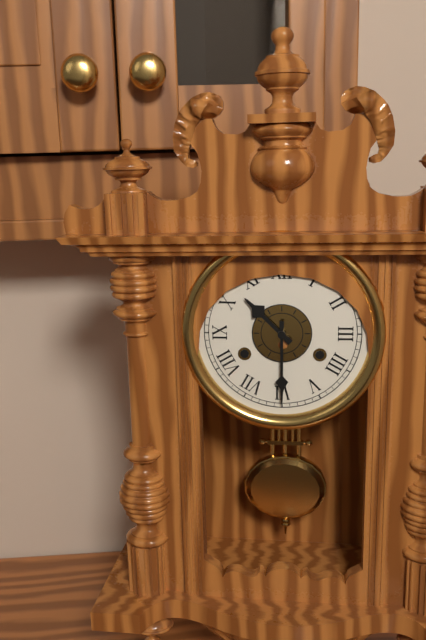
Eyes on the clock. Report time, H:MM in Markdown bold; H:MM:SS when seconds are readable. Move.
**10:30**
